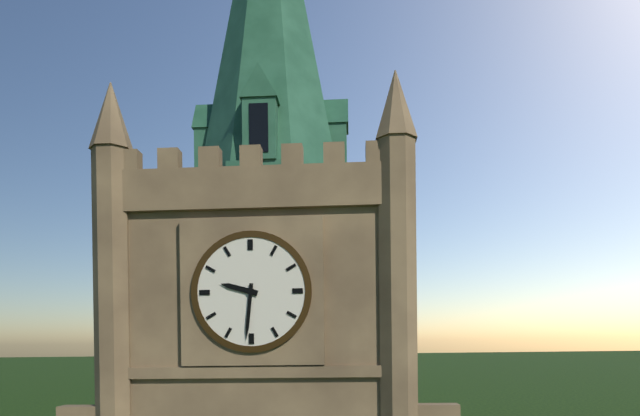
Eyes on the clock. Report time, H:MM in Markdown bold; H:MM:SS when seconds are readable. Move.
**9:31**
